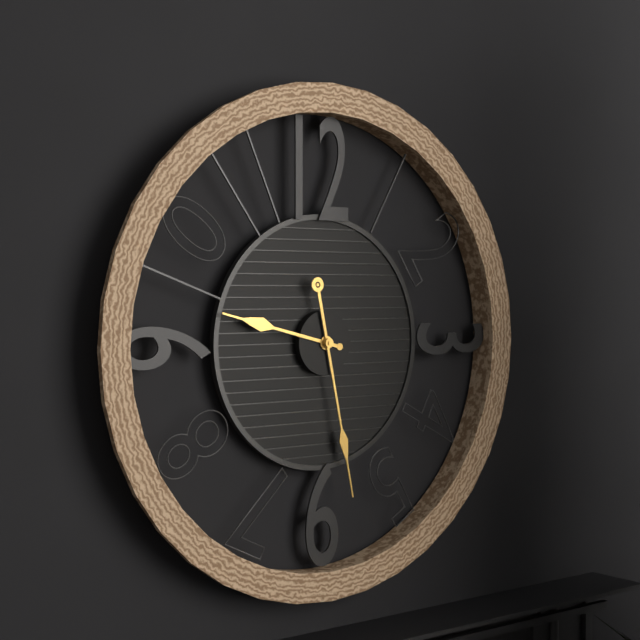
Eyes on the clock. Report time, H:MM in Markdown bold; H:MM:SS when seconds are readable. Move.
**9:28**
